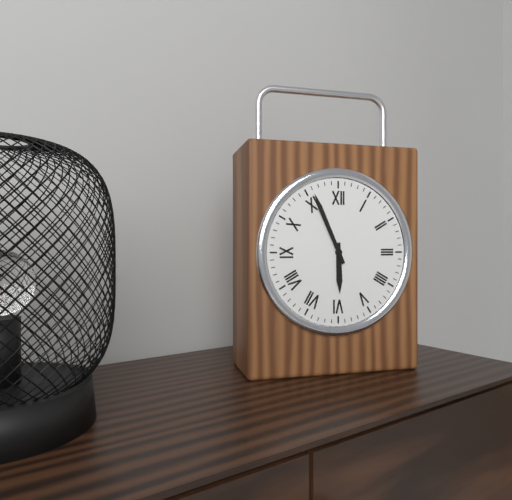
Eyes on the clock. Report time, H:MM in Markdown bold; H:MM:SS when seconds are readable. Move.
**5:56**
